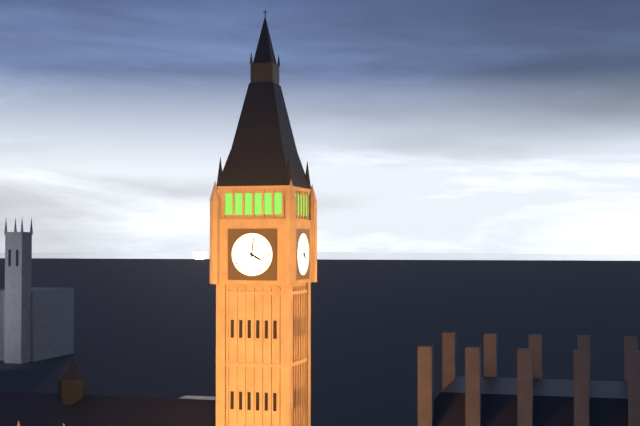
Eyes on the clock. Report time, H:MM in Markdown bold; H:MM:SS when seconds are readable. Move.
**4:01**
